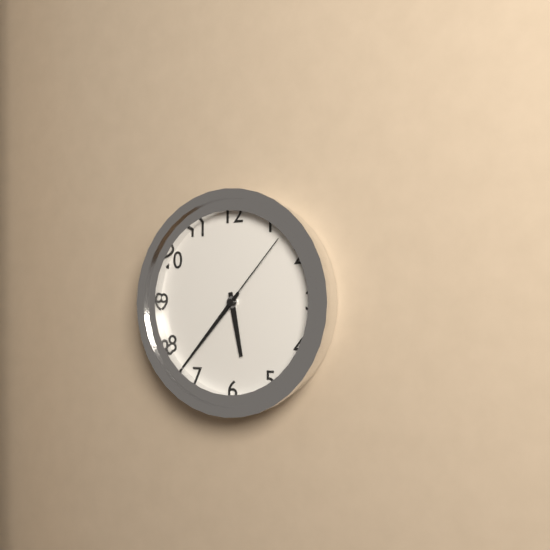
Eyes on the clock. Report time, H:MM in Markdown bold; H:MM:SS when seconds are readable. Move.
**5:37:07**
